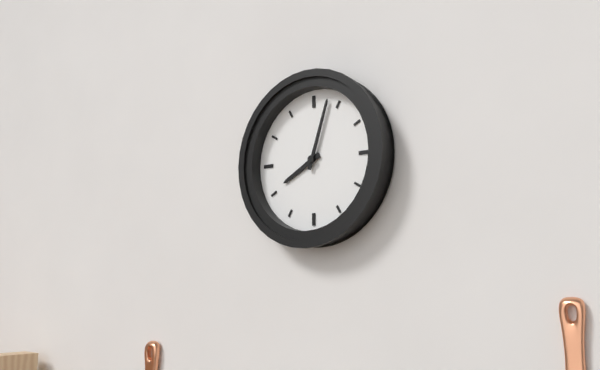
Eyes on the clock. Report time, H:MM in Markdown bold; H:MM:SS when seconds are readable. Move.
**8:03**
